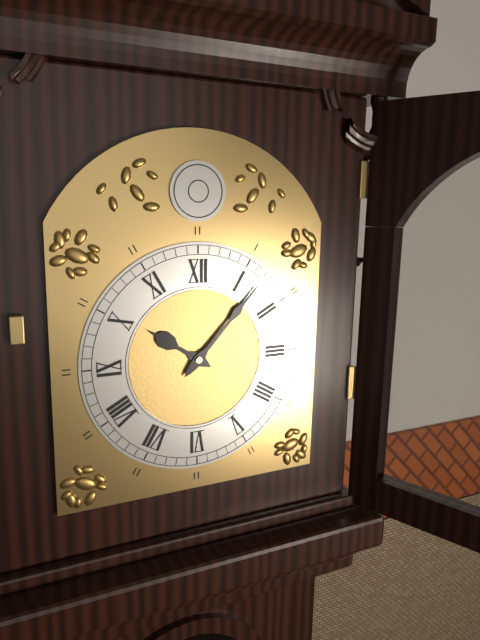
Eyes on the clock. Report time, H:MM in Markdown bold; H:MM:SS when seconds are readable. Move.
**10:07**
